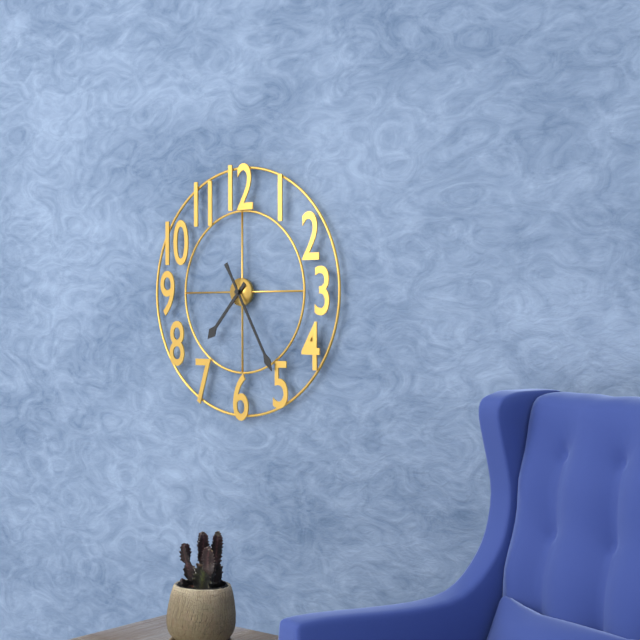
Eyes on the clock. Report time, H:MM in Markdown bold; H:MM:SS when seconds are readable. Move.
**7:25**
